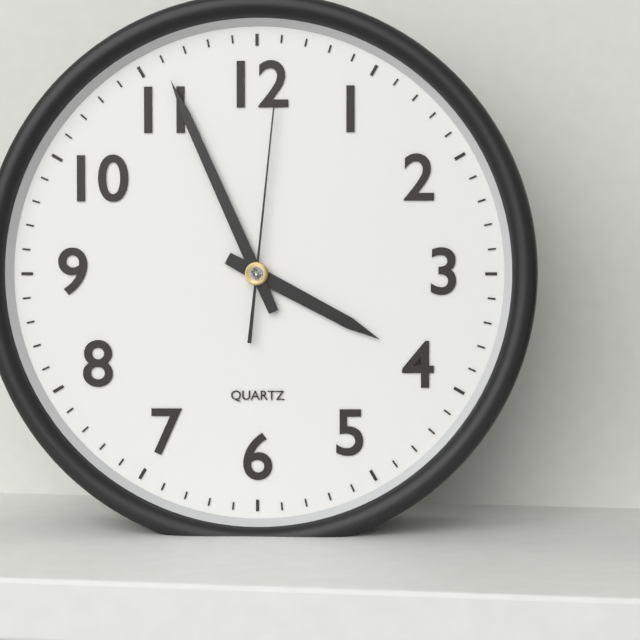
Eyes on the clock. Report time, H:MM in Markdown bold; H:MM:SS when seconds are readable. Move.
**3:56:01**
